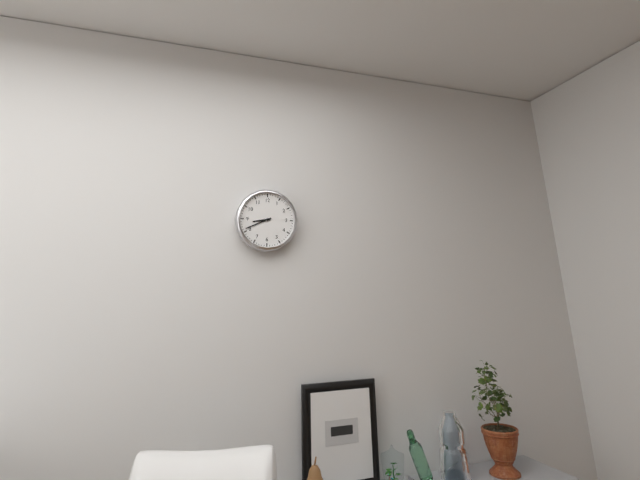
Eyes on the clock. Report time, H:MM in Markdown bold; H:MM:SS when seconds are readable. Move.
**8:41**
